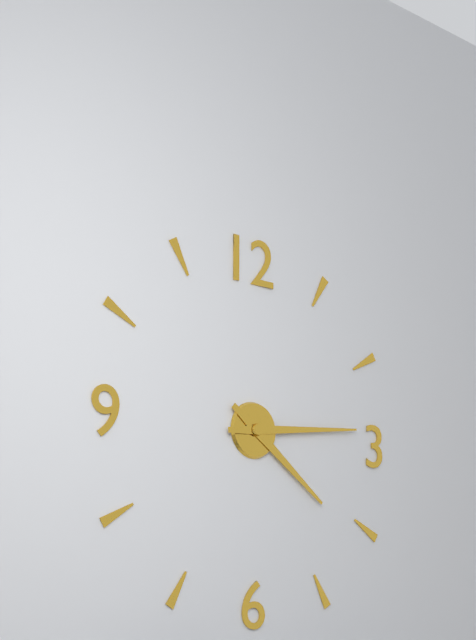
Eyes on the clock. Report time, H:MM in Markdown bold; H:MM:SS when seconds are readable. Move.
**4:14**
